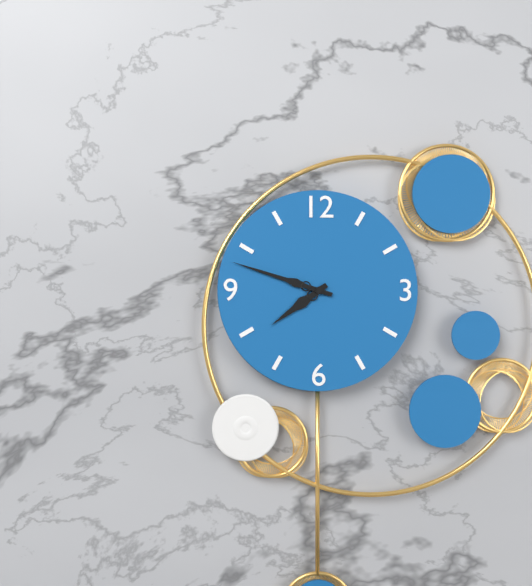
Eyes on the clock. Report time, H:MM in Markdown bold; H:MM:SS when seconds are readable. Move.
**7:48**
